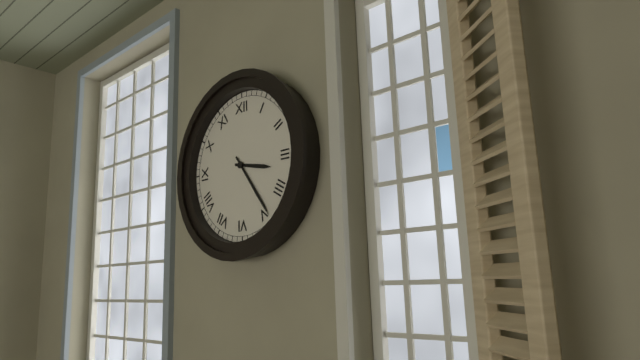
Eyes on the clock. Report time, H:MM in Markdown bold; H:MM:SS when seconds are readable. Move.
**3:24**
